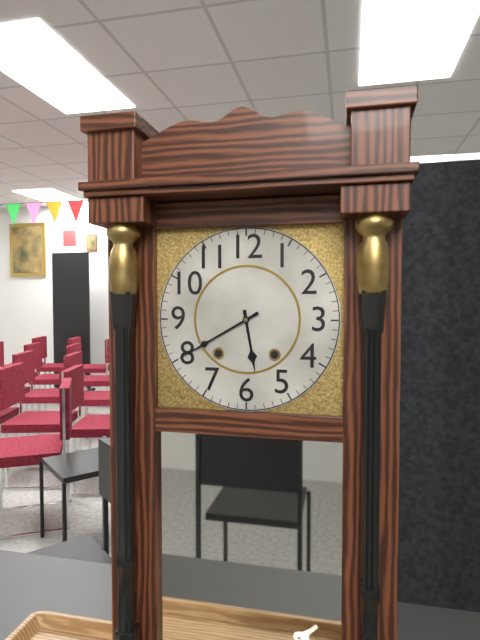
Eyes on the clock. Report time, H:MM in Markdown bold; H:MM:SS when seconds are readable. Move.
**5:40**
